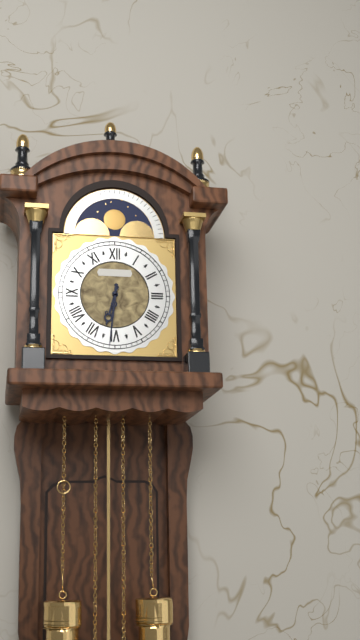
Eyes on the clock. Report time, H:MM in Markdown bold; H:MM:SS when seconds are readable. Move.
**6:31**
